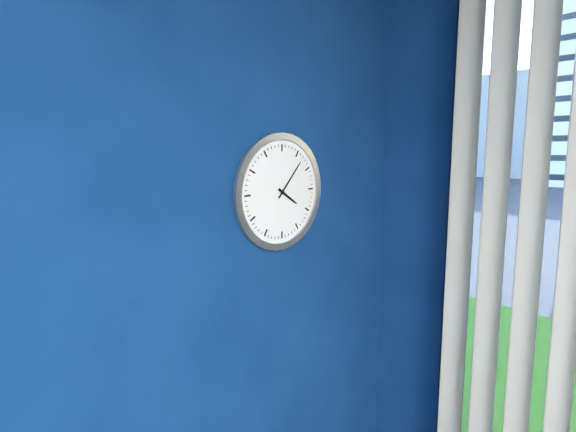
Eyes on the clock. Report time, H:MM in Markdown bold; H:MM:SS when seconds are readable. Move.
**4:07**
